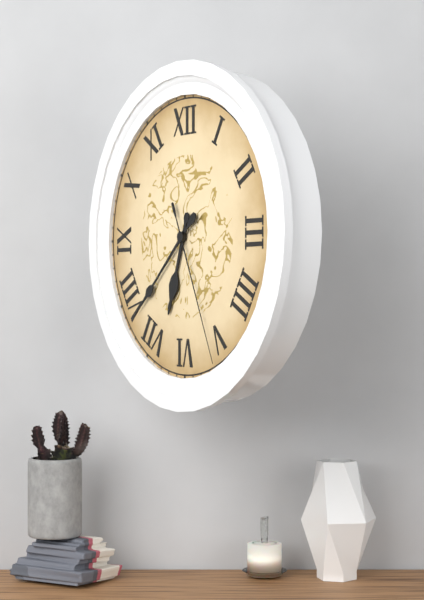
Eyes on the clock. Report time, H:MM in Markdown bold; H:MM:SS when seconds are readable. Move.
**6:38:26**
